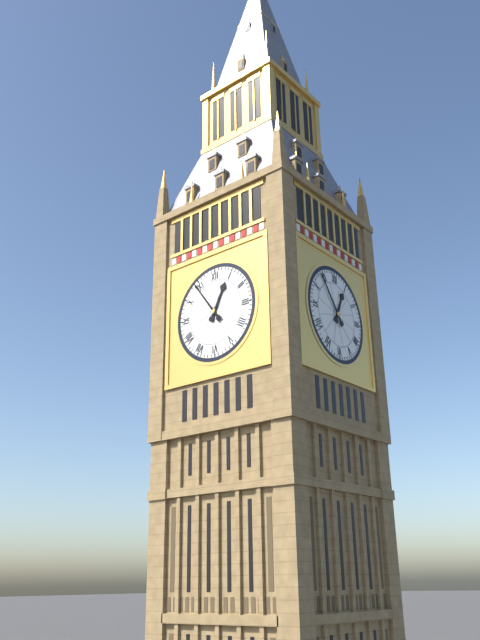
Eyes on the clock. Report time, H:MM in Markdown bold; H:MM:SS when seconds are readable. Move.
**12:54**
